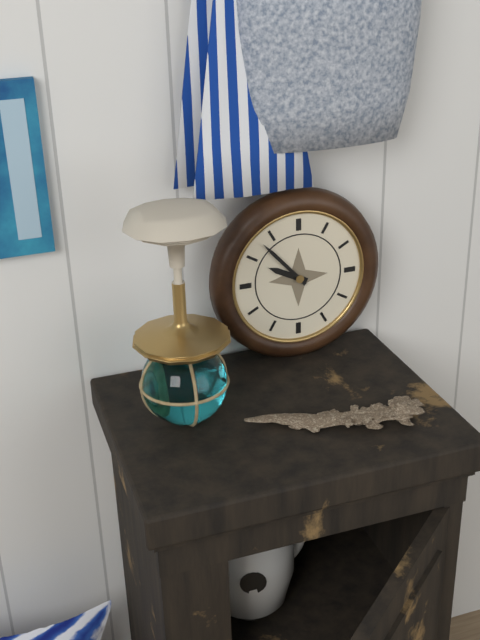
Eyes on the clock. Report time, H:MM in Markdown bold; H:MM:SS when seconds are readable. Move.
**9:53**
